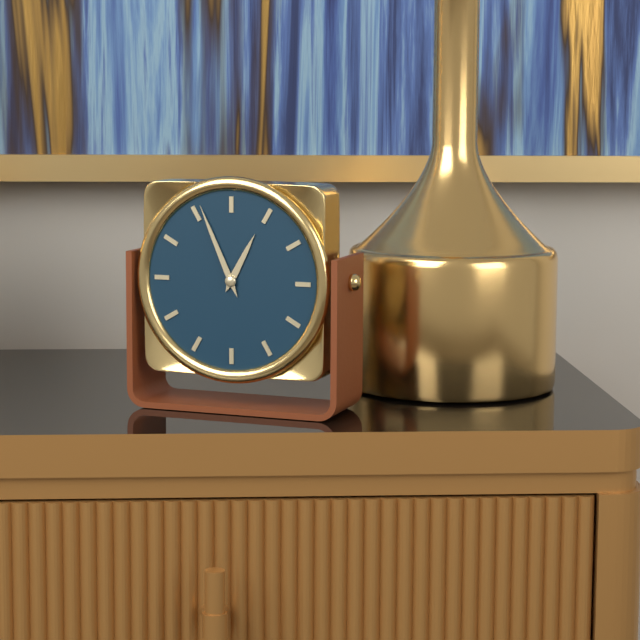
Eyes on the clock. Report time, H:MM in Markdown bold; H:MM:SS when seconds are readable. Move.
**12:56**
